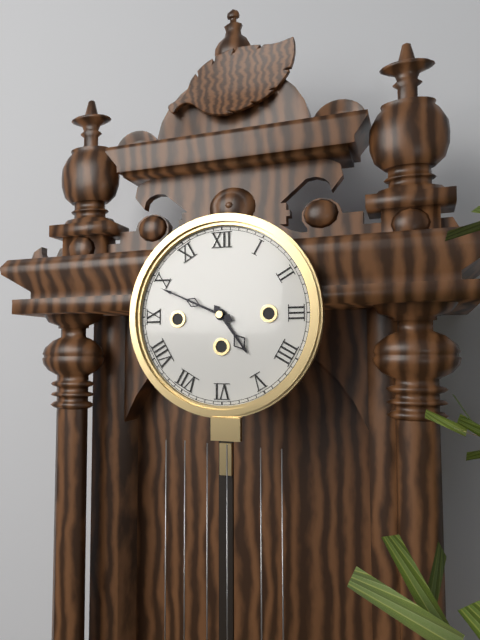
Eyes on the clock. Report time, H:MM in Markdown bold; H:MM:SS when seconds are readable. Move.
**4:49**
